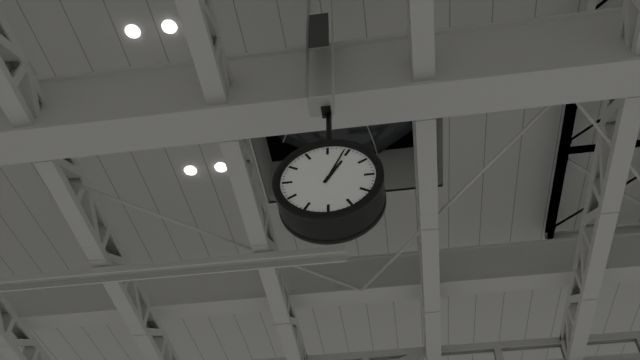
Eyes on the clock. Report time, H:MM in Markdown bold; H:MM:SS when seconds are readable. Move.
**1:04**
